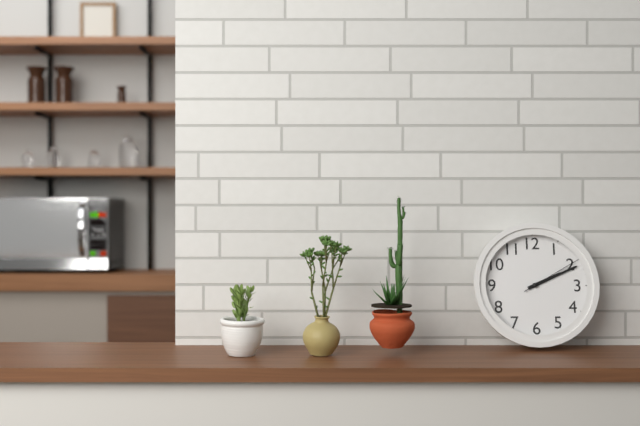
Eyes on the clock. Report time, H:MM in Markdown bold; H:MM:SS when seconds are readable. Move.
**2:11:10**
